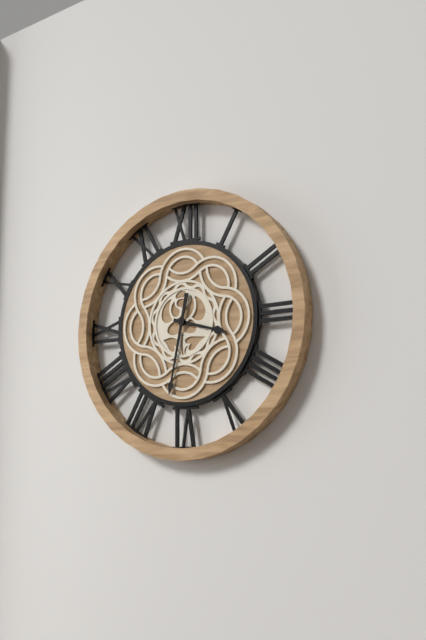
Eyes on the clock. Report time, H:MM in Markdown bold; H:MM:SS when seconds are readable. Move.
**3:32**
